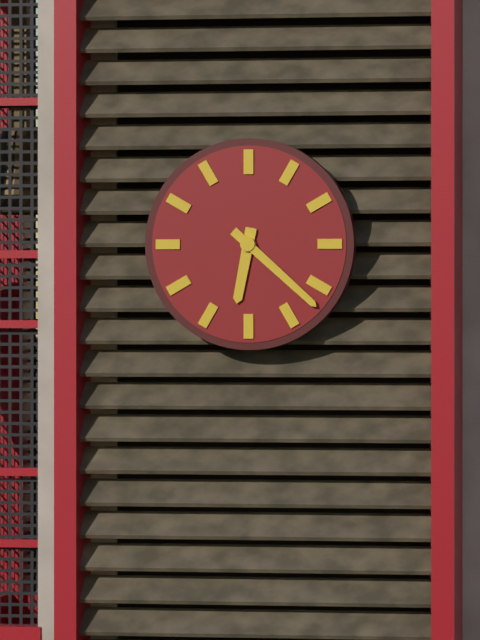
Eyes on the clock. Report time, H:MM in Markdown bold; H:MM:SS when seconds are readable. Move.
**6:22**
